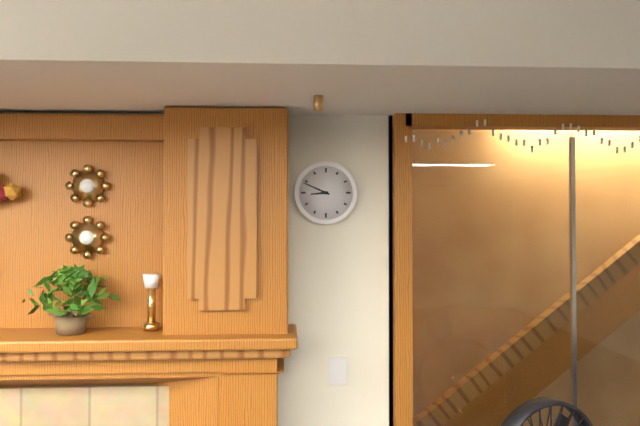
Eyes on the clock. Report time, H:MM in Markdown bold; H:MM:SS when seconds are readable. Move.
**8:49**
